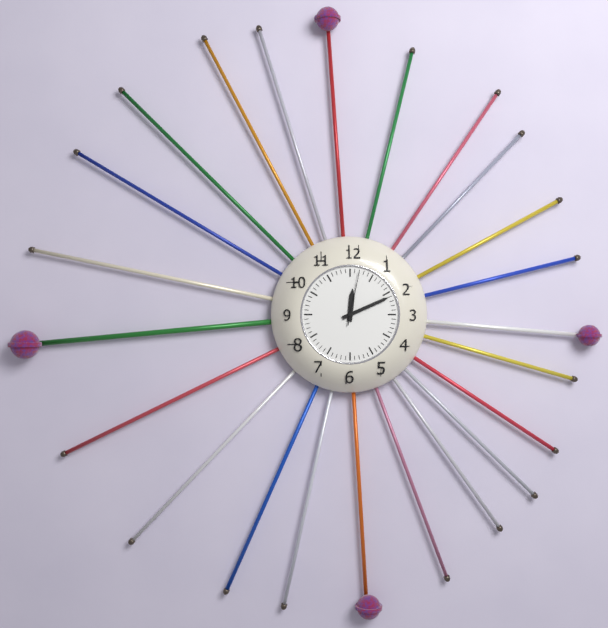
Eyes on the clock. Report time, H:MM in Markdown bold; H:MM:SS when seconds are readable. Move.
**12:11:02**
